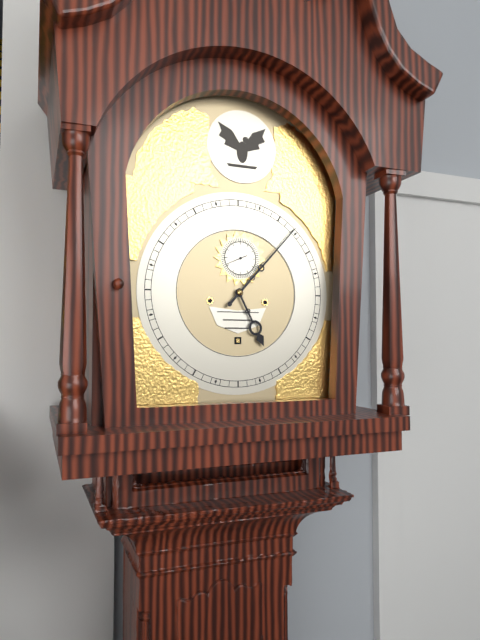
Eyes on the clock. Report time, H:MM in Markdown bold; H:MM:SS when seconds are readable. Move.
**5:07**
